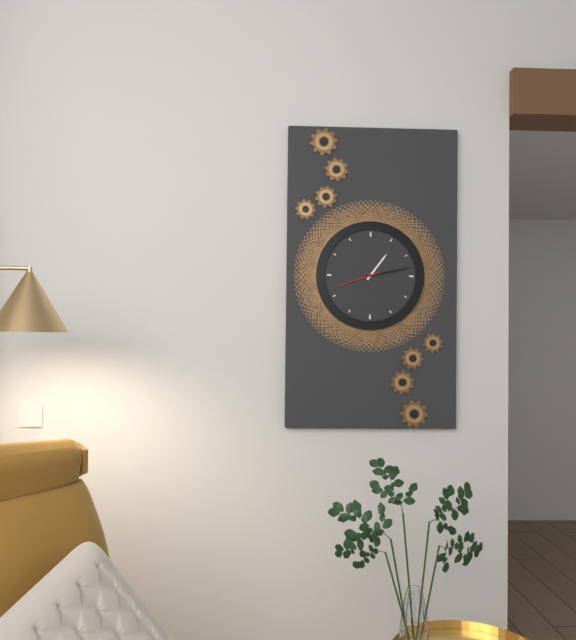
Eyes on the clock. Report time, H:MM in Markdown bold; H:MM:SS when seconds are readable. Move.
**1:13**
